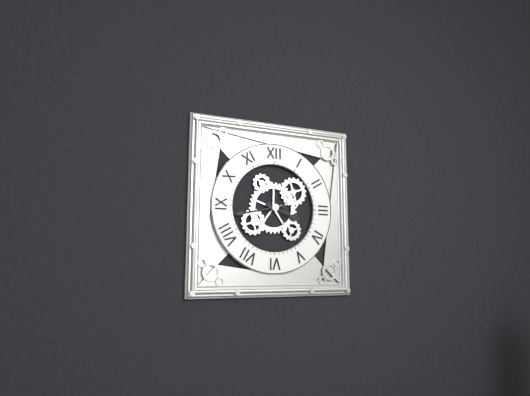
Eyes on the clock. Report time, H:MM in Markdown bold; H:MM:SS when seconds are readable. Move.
**3:43**
